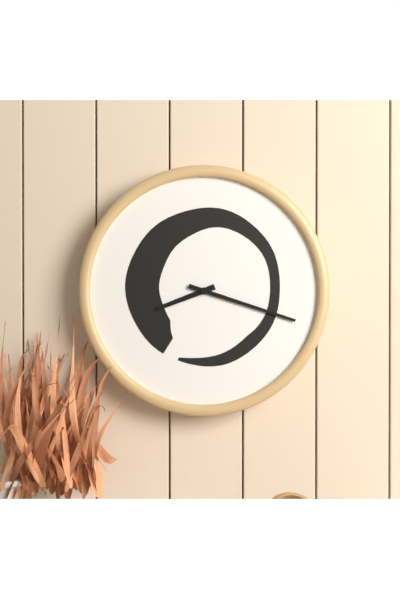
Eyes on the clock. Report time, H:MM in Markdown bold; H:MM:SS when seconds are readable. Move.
**8:18**
